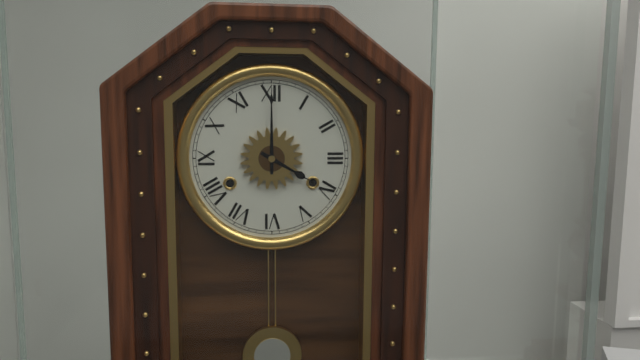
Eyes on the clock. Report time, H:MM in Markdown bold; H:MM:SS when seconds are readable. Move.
**4:00**
